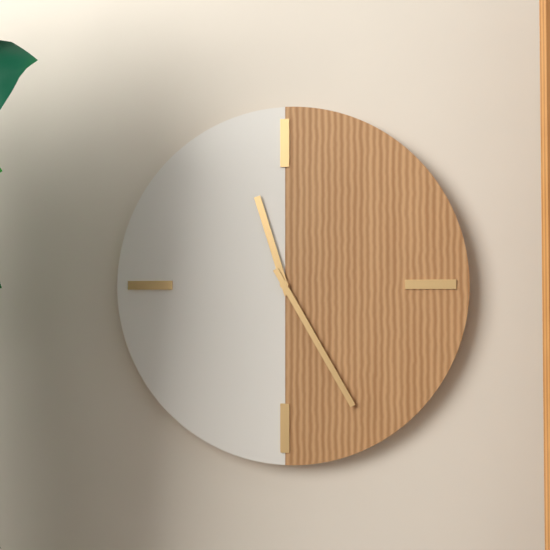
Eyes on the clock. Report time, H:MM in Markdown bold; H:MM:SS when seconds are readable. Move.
**11:25**
